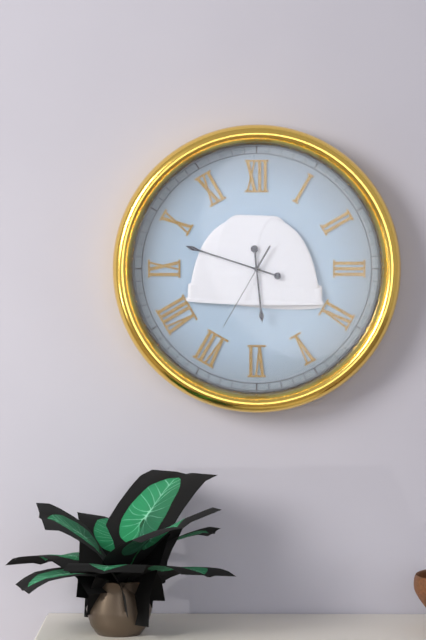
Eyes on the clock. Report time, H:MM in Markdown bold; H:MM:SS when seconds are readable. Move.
**5:48:35**
